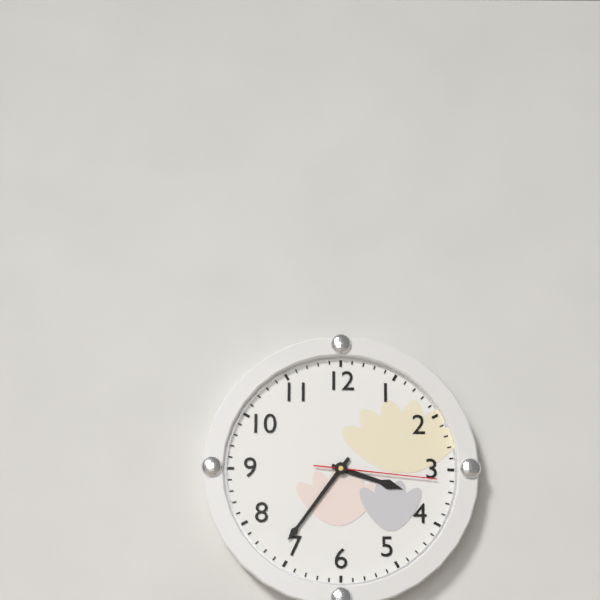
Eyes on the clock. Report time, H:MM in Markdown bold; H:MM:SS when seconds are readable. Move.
**3:36:16**
